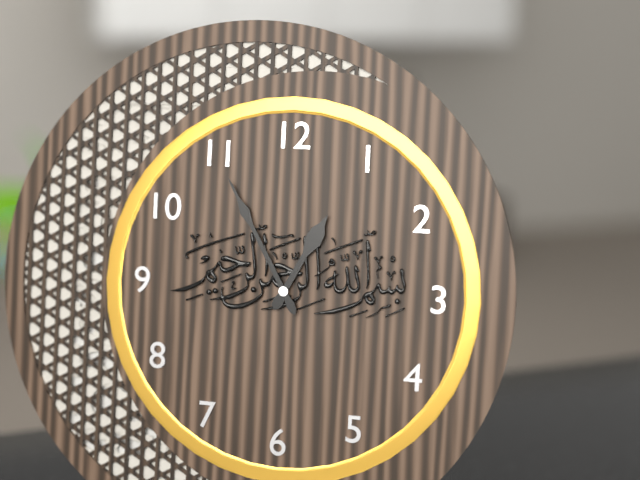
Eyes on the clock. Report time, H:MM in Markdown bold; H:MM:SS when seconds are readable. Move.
**12:55**
